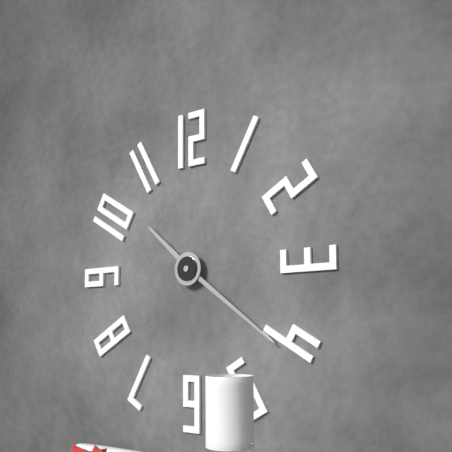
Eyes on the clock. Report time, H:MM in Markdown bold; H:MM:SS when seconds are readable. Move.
**10:21**
